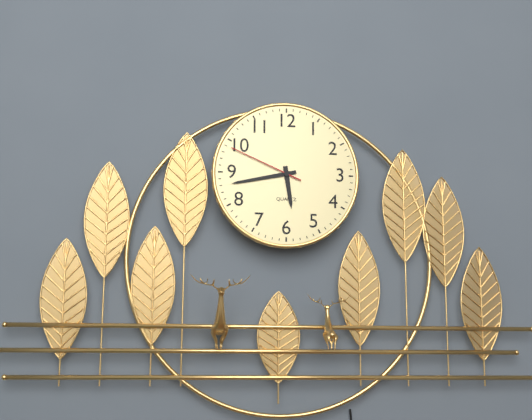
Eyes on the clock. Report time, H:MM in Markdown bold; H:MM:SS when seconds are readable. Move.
**5:43:49**
